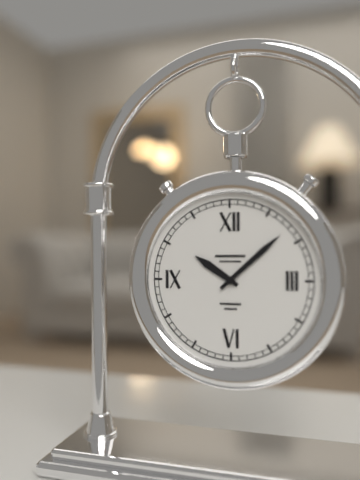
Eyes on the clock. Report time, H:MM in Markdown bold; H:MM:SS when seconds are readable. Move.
**10:08**
